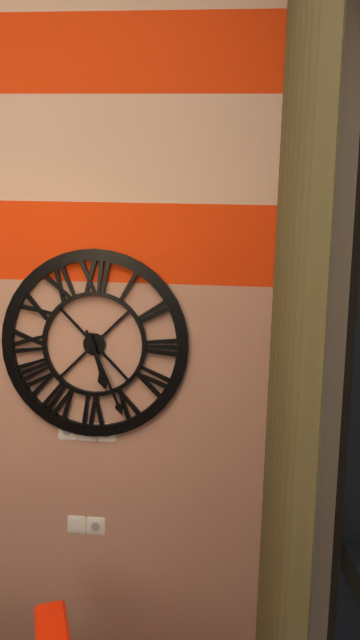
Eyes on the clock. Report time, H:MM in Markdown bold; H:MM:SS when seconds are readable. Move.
**5:26**
